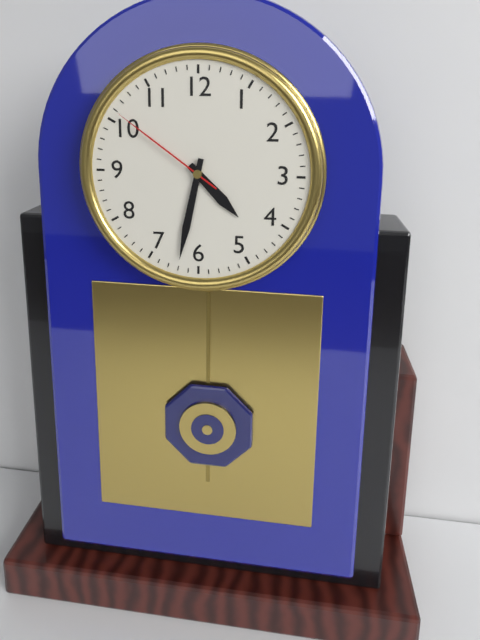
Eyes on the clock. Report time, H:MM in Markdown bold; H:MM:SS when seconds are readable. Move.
**4:32:51**
